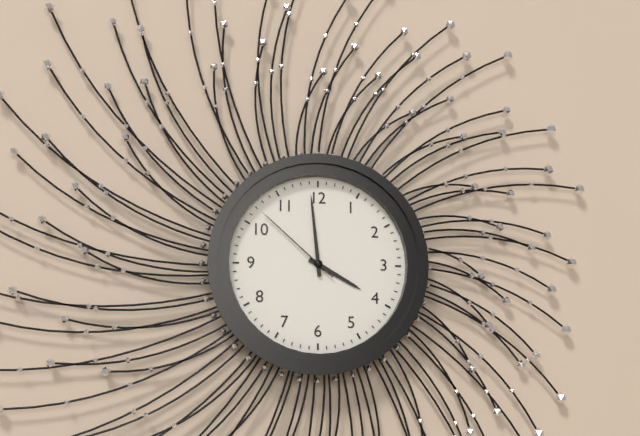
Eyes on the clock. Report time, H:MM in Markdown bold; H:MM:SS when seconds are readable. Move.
**3:59:52**
